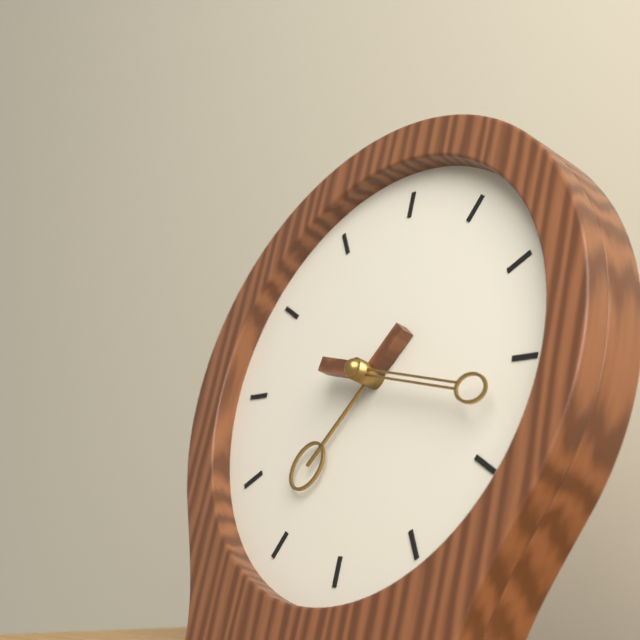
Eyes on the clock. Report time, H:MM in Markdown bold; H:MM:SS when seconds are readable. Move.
**7:17**
